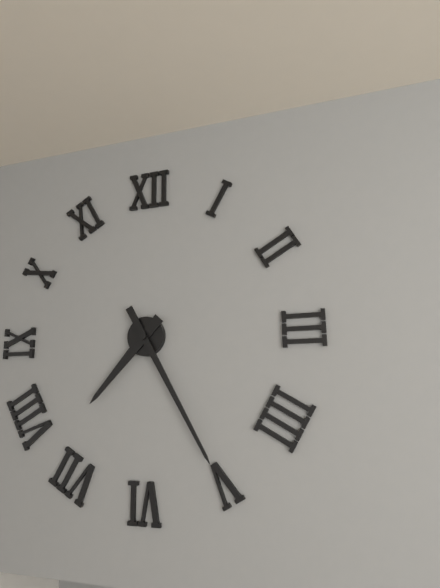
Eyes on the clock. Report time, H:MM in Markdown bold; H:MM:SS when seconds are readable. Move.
**7:25**
